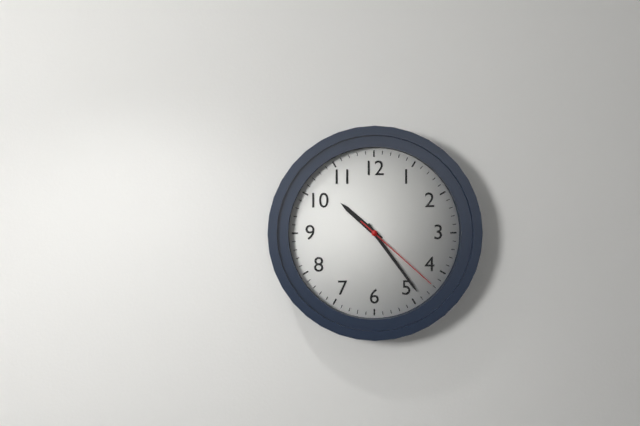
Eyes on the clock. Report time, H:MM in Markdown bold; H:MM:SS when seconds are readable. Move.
**10:24:22**
